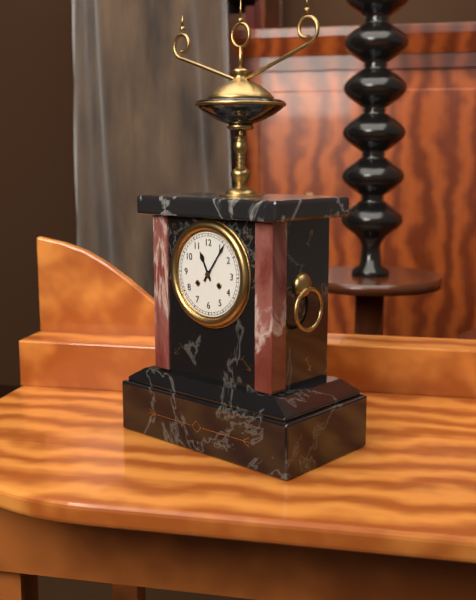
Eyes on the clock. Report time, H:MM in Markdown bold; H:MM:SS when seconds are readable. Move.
**11:06**
